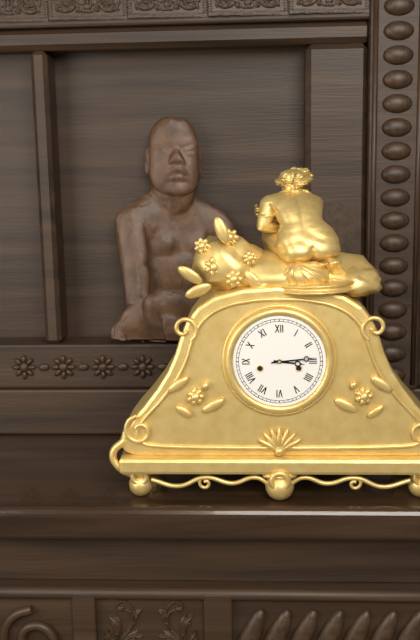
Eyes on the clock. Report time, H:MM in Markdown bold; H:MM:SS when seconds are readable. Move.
**3:14**
